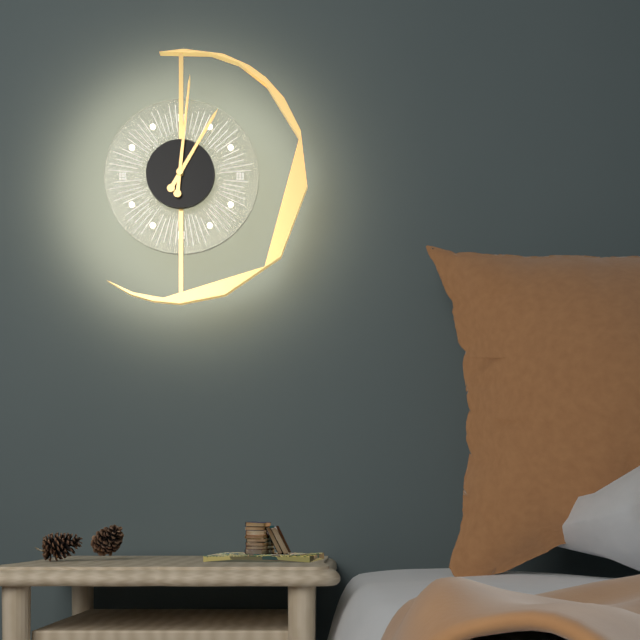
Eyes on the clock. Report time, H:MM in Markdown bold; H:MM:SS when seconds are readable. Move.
**1:01**
